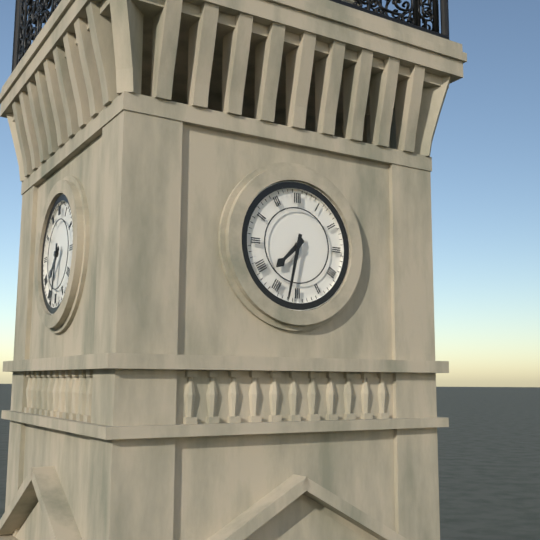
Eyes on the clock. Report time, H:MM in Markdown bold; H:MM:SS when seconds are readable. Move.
**7:32**
